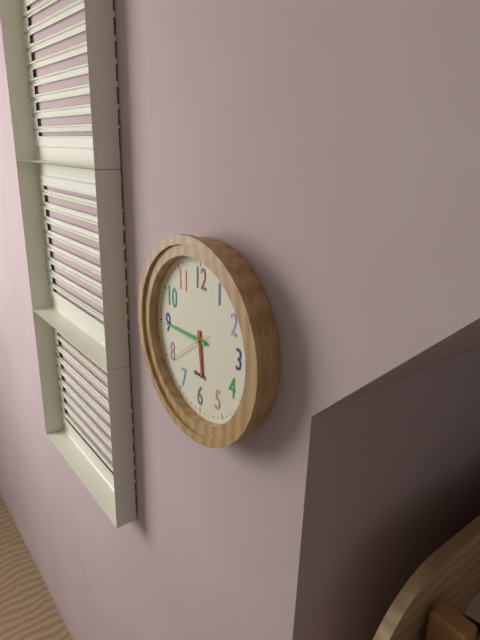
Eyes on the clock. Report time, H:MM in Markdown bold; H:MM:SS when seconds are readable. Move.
**5:45**
